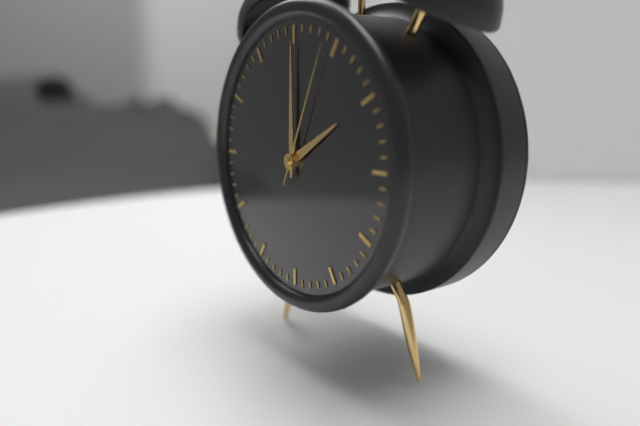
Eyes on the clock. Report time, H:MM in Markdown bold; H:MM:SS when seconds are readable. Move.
**2:00:04**
